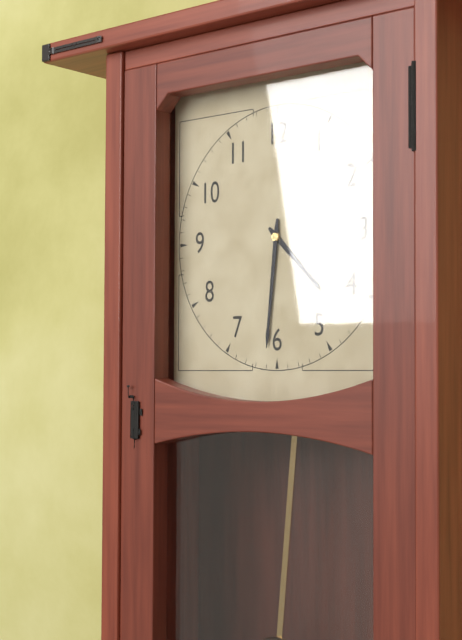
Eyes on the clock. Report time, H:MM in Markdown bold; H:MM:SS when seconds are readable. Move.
**4:31**
